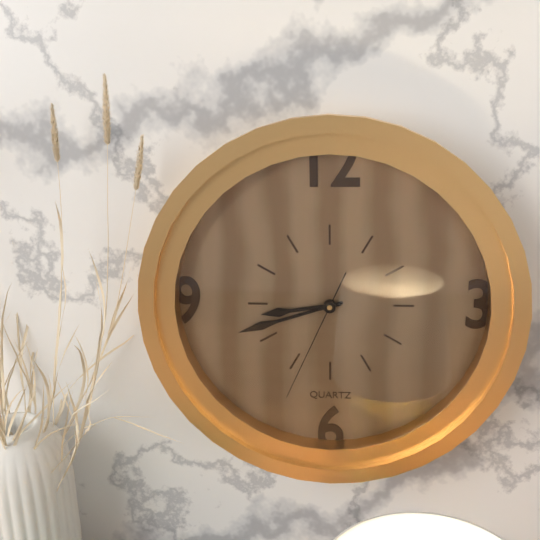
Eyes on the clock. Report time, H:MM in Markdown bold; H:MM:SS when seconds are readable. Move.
**8:42:34**
